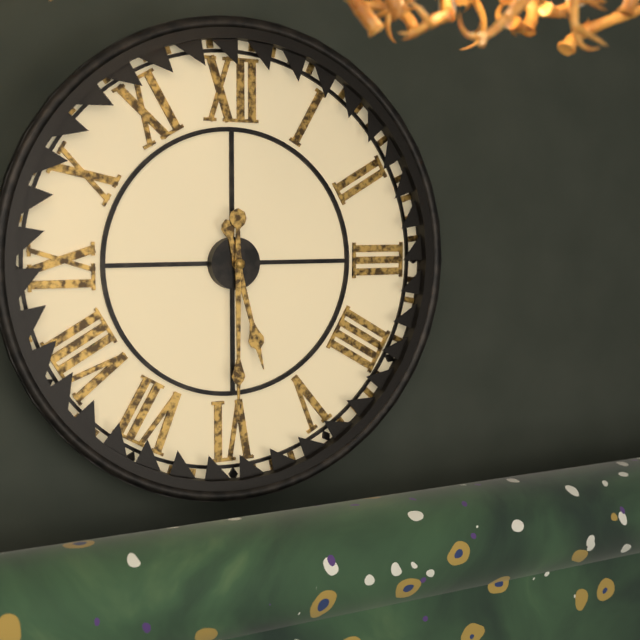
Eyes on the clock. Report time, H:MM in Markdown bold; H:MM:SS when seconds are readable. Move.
**5:30**
